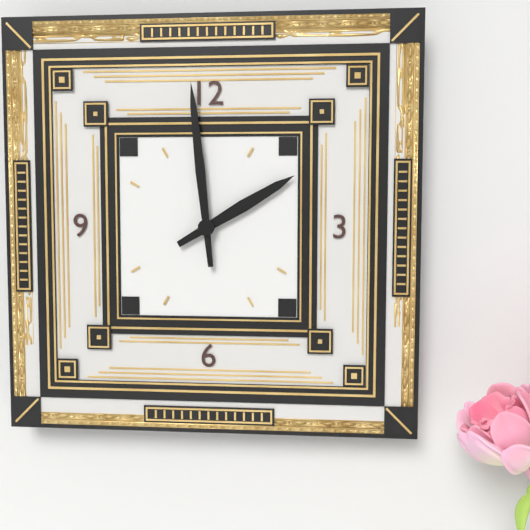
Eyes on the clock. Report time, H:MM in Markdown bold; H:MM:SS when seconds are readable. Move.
**1:59**
